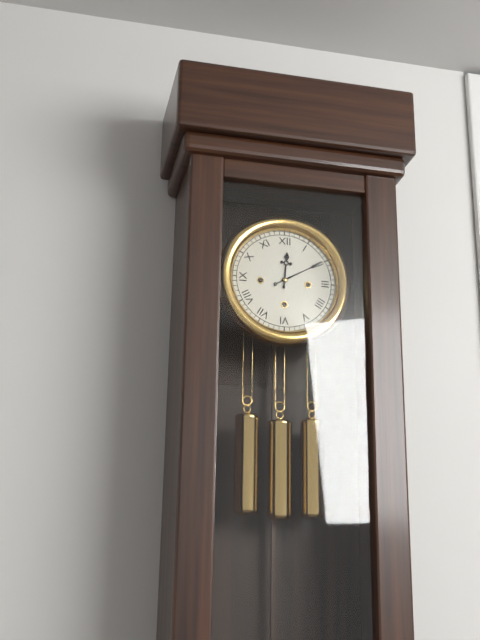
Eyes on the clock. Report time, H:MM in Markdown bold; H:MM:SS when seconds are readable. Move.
**12:10**
